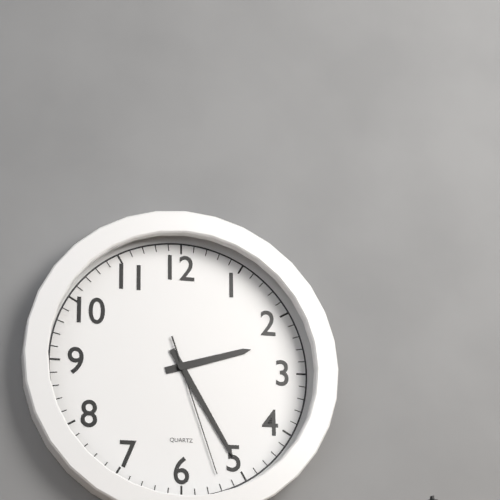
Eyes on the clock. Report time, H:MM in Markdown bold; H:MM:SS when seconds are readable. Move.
**2:25:27**
